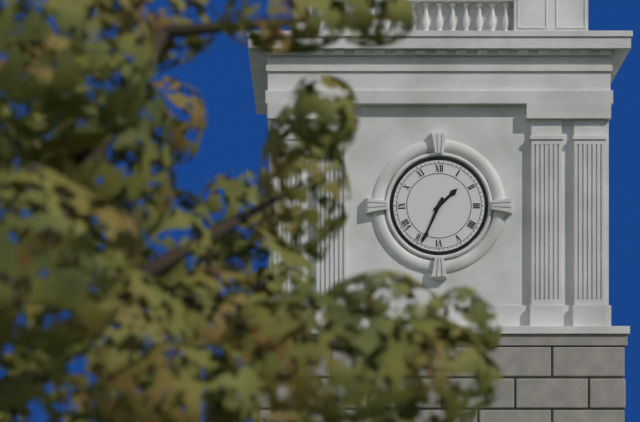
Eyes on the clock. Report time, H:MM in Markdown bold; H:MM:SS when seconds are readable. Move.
**1:34**
